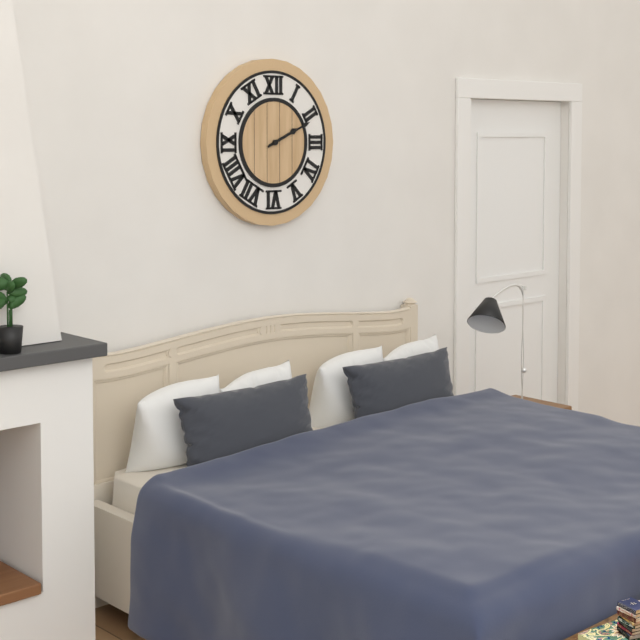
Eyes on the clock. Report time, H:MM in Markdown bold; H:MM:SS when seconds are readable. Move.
**2:11**
